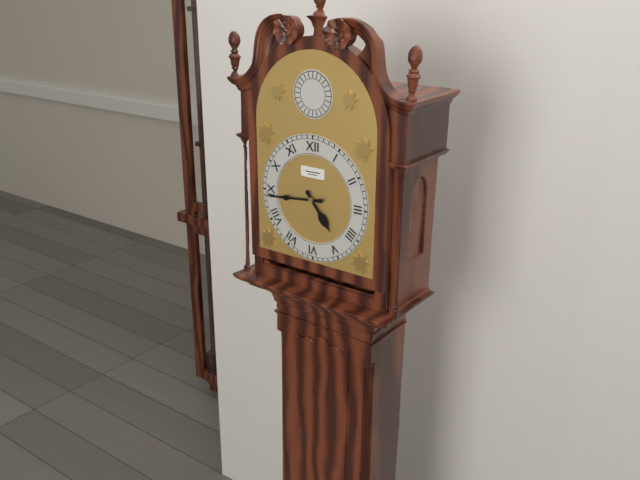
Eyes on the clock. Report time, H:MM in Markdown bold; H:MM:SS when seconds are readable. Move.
**4:44**
